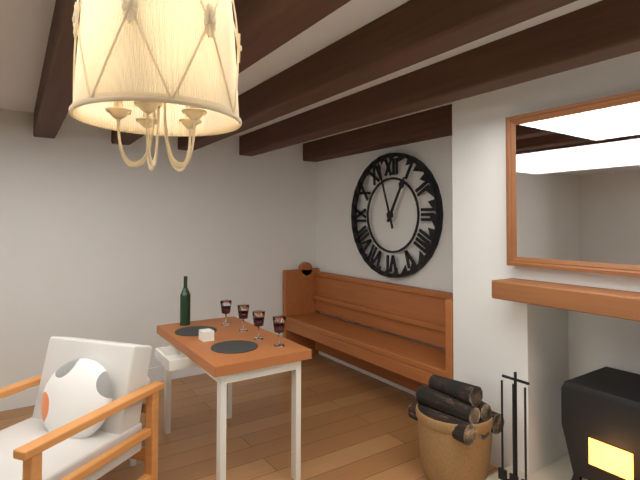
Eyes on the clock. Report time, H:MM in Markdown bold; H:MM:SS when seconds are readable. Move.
**12:57**
